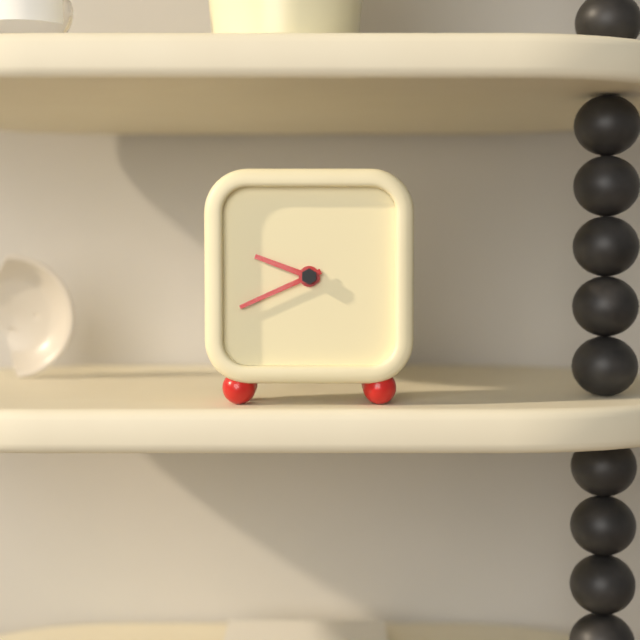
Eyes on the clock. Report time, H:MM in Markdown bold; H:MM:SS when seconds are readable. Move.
**9:41**
